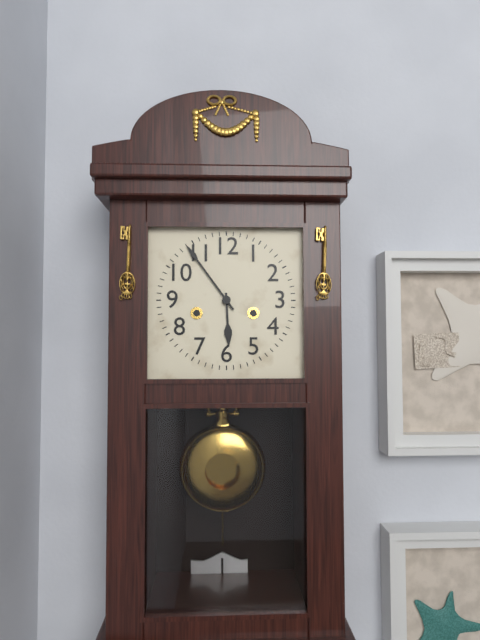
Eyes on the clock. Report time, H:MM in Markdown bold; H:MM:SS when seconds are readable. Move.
**5:54**
